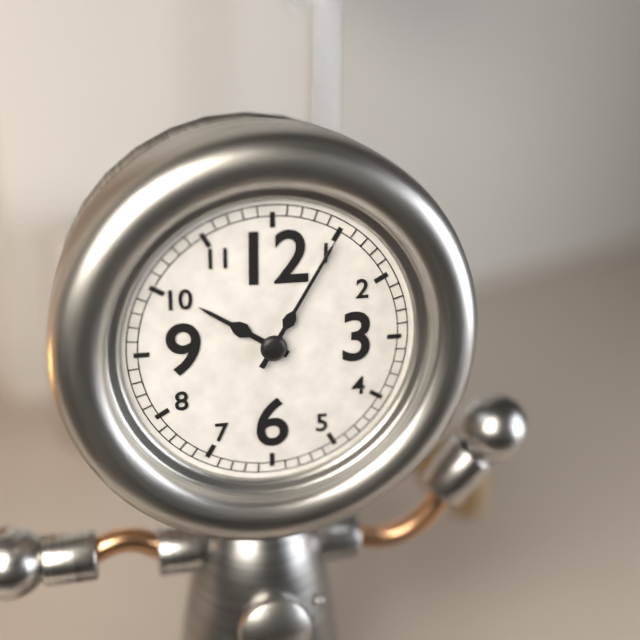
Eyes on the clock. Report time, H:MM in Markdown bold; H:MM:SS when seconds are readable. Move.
**10:05**
